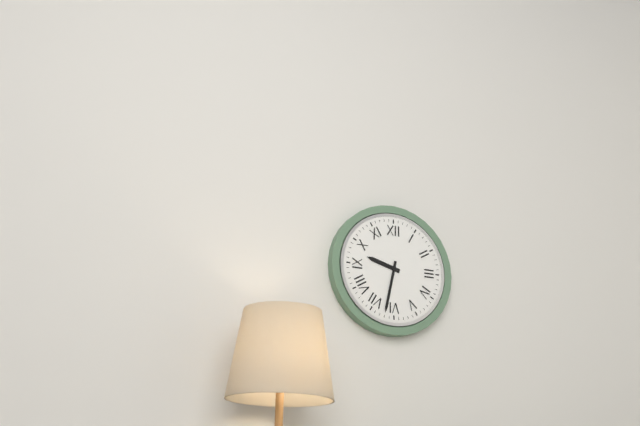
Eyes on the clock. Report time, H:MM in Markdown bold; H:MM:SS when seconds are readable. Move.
**9:32**
